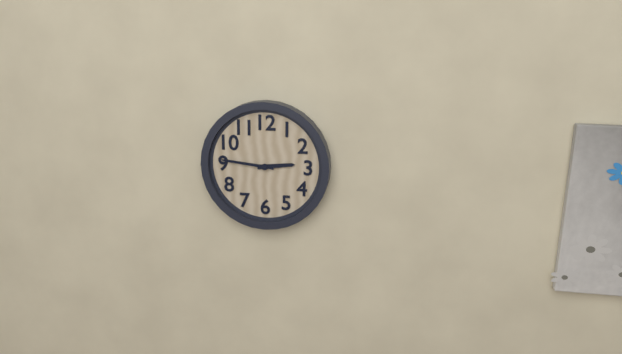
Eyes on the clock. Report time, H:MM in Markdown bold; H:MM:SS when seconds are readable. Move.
**2:46**
